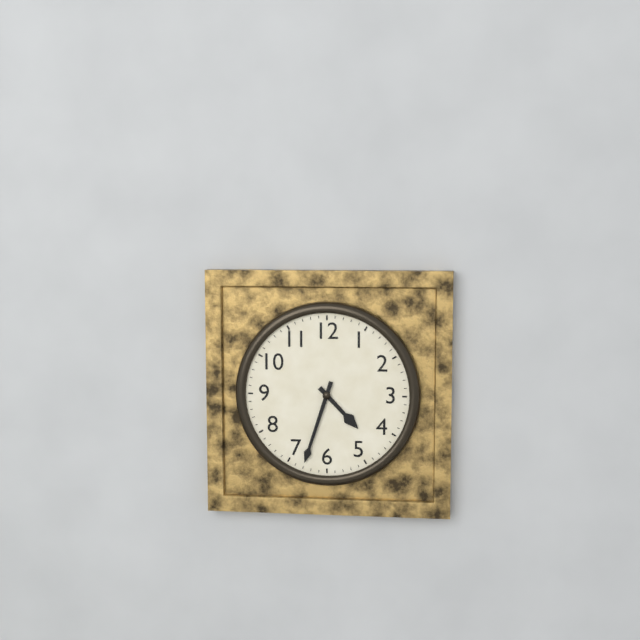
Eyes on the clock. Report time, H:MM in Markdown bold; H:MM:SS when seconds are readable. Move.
**4:33**
